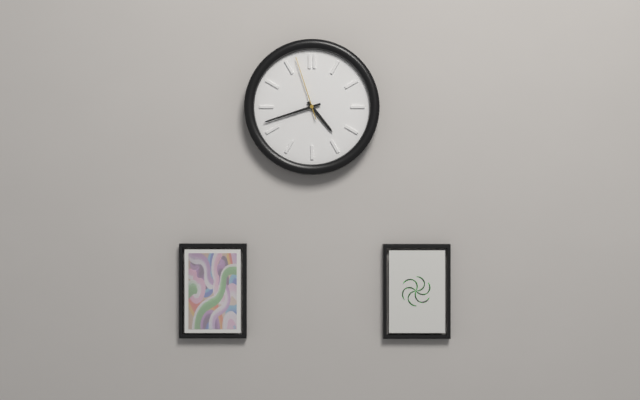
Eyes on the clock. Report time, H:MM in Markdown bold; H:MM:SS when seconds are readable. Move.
**4:42:57**
